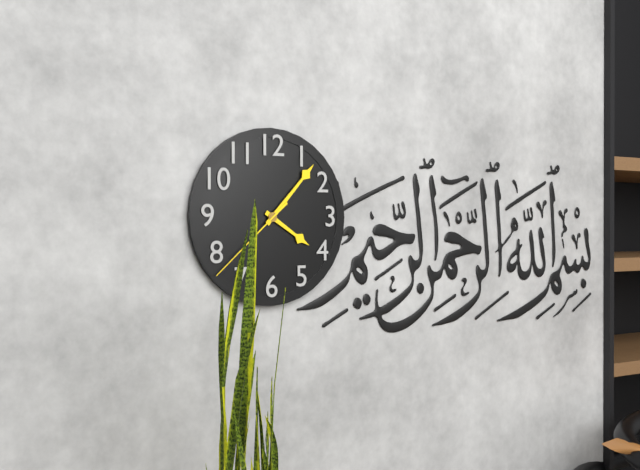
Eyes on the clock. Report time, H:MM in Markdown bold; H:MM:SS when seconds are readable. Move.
**4:07:38**
